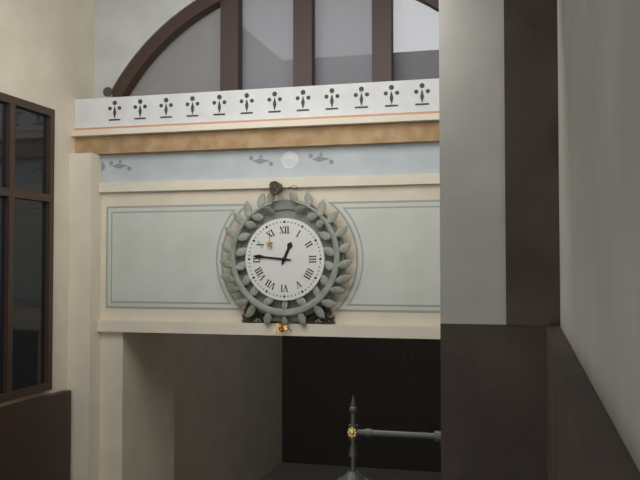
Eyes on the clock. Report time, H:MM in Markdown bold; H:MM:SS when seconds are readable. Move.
**12:46**
